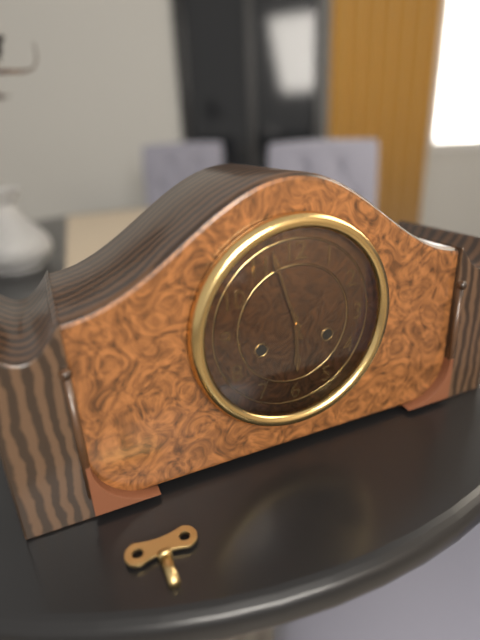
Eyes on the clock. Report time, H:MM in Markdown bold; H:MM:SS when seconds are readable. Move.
**5:57**
